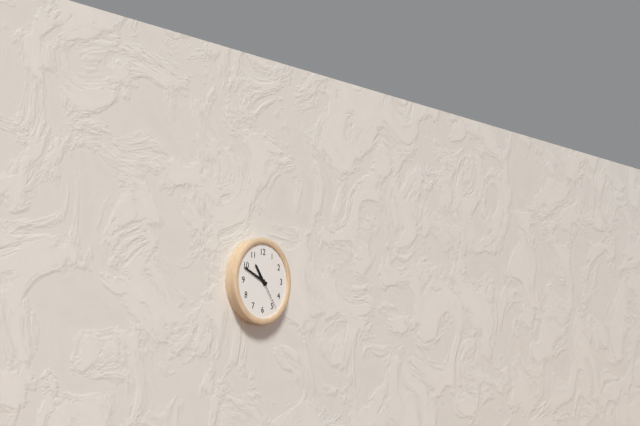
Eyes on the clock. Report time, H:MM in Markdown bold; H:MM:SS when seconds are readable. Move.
**10:49**
